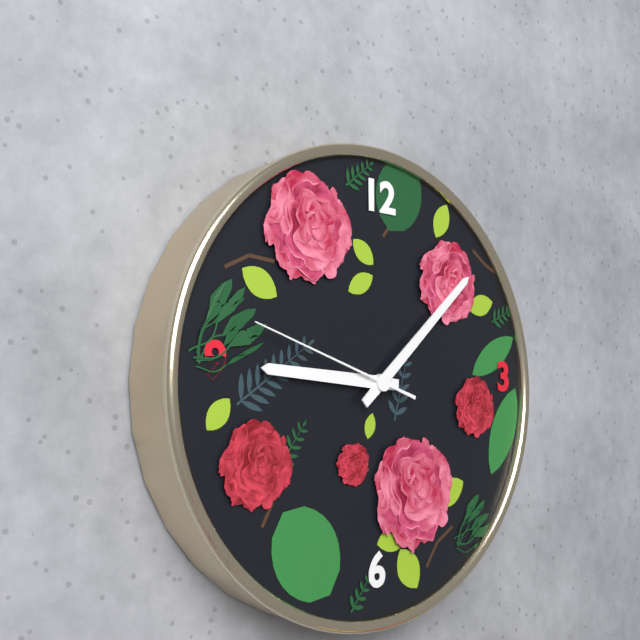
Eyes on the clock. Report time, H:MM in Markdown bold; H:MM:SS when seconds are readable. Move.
**9:08:48**
